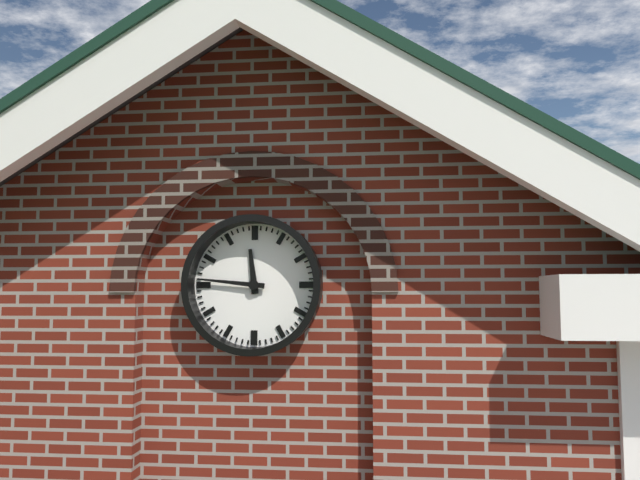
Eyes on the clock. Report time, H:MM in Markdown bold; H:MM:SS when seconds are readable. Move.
**11:46**
